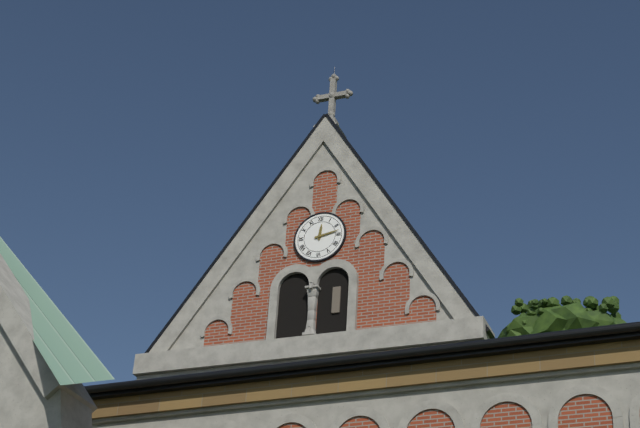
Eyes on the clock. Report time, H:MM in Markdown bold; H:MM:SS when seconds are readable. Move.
**12:13**
